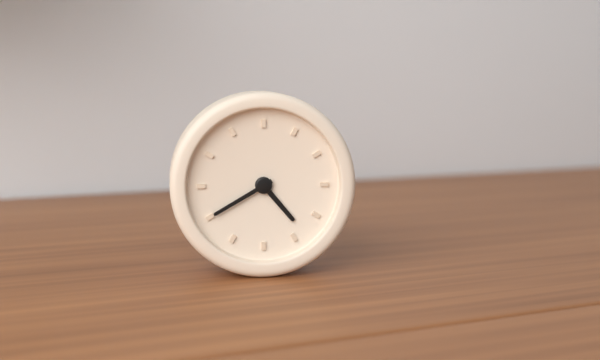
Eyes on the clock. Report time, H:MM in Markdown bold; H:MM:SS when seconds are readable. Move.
**4:40**
